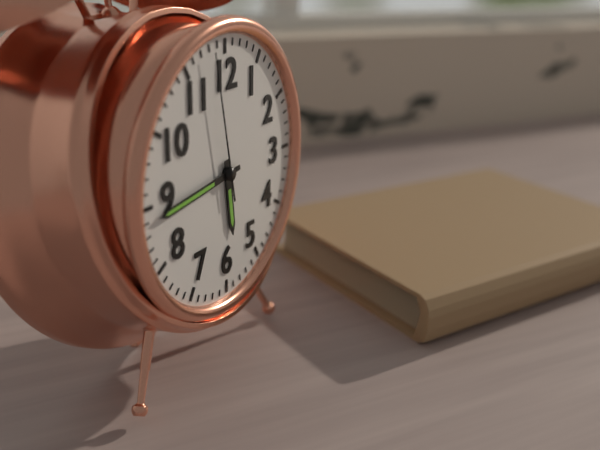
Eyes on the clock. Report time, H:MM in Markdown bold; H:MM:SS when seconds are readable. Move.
**5:44:58**
